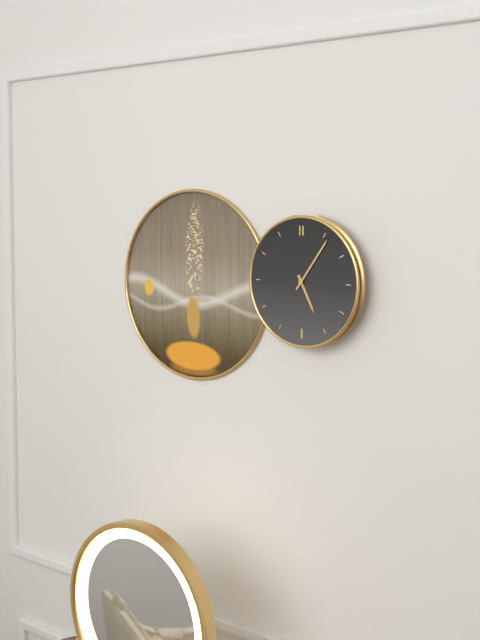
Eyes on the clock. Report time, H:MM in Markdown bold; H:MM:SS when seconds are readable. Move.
**5:06**
